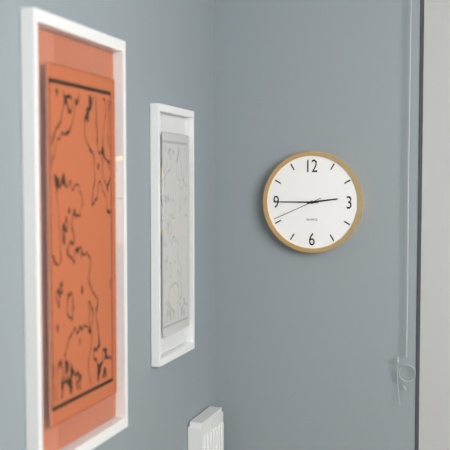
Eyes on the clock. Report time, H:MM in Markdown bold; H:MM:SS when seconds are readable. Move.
**2:45:41**
